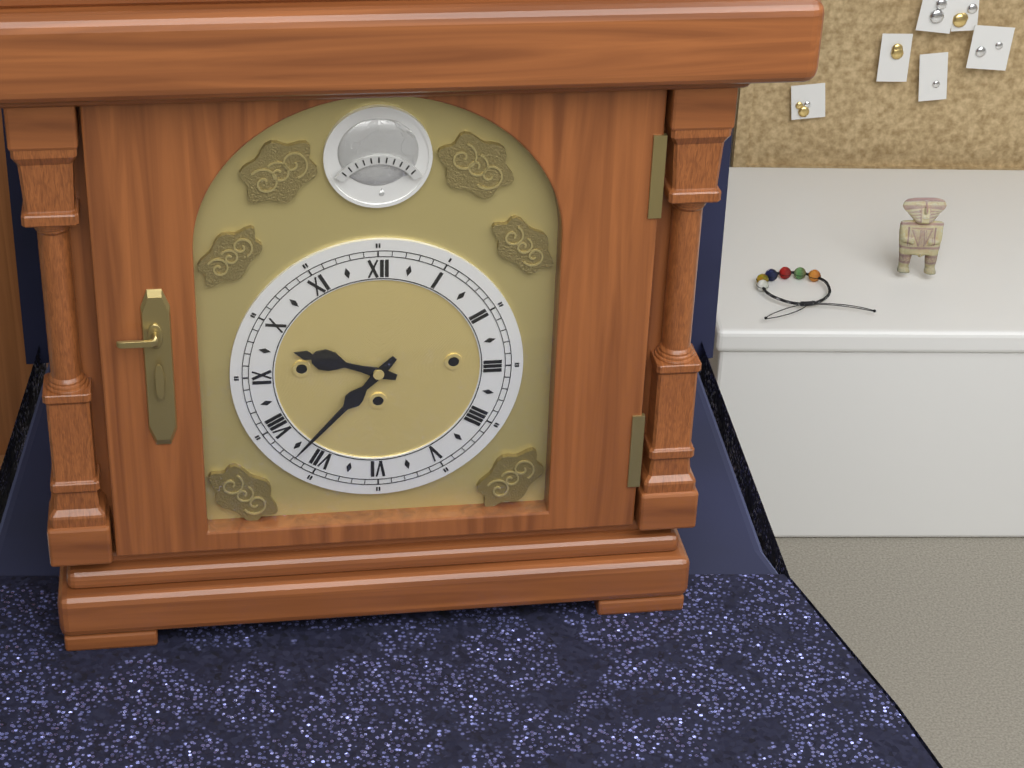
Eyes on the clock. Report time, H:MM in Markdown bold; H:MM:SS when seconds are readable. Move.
**9:37**
